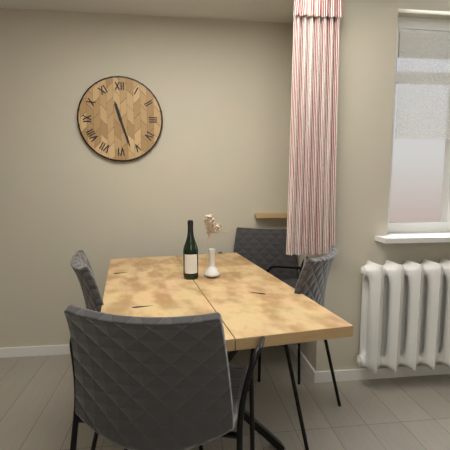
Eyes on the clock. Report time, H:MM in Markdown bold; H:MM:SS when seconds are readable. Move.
**11:27**
